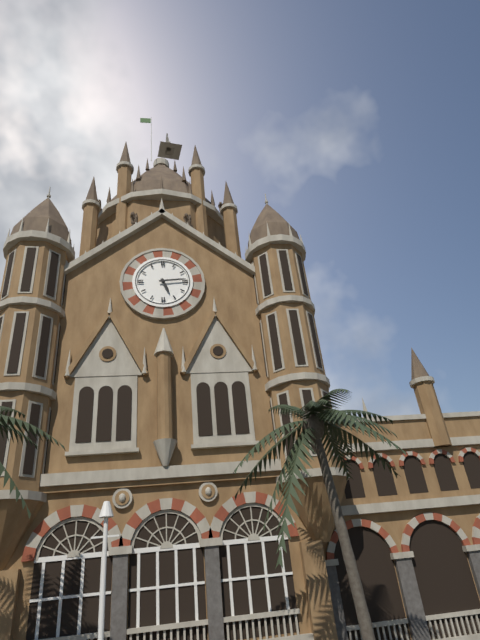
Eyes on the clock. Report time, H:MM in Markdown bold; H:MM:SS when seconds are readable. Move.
**5:14**
